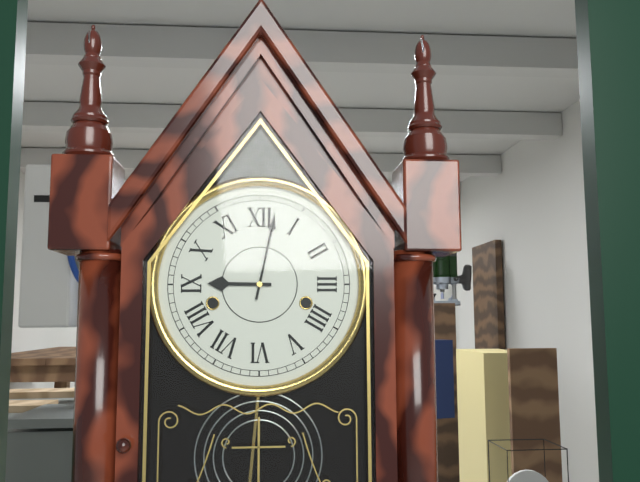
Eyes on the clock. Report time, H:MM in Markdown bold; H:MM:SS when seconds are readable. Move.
**9:02**
